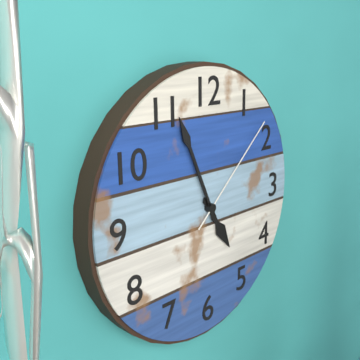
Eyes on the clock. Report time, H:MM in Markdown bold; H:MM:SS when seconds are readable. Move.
**4:56:08**
